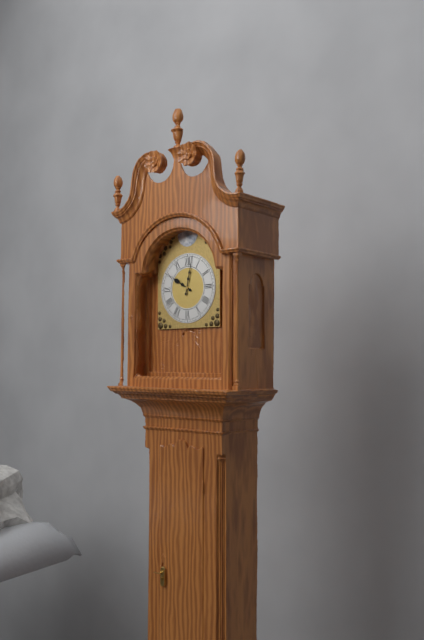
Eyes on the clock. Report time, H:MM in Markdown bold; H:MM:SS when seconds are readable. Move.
**10:02**
